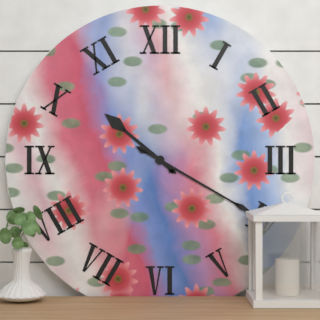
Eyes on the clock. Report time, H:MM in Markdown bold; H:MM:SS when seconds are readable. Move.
**10:20**
